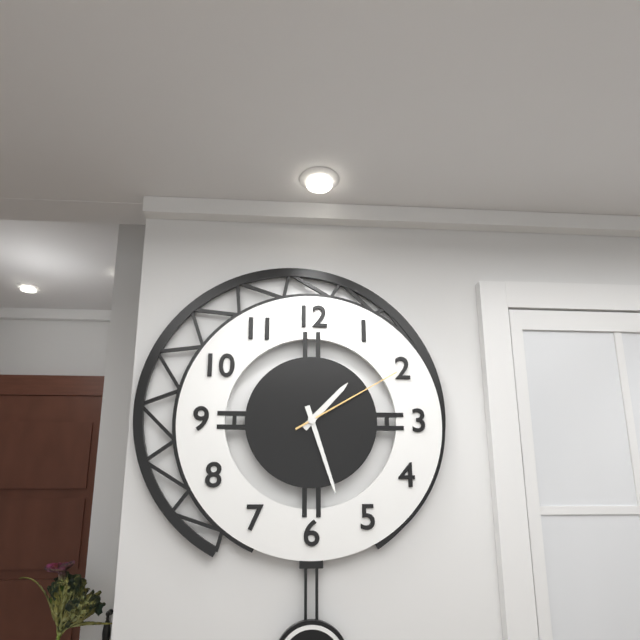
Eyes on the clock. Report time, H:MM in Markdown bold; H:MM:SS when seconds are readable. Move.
**1:27:10**
